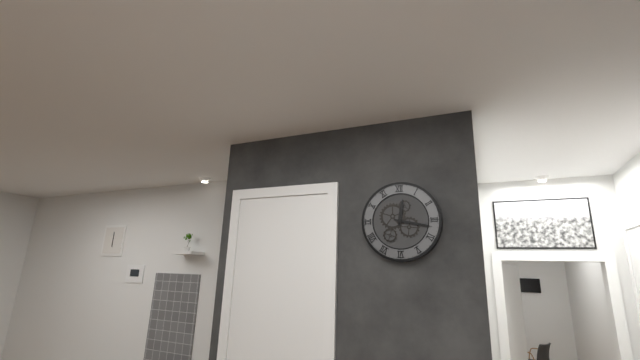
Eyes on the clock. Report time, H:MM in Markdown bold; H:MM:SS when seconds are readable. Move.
**12:17**
